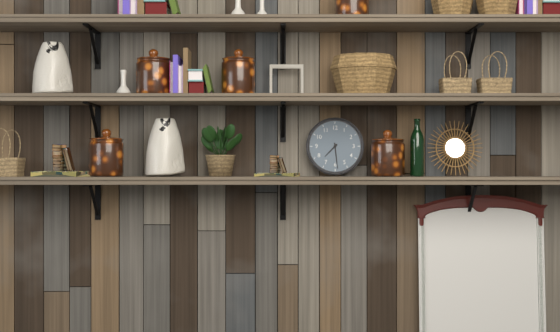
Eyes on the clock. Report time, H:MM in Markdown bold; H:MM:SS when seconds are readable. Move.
**7:29**
